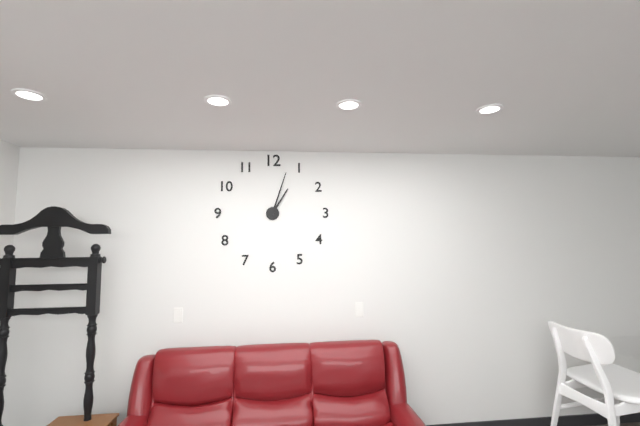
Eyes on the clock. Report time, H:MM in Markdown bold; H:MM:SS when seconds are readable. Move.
**1:03**
